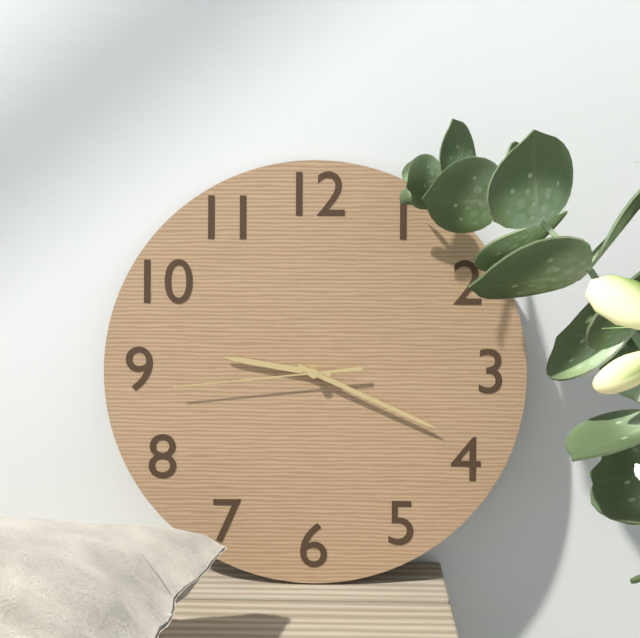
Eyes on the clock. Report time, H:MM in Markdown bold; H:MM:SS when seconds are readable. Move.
**9:19:44**
